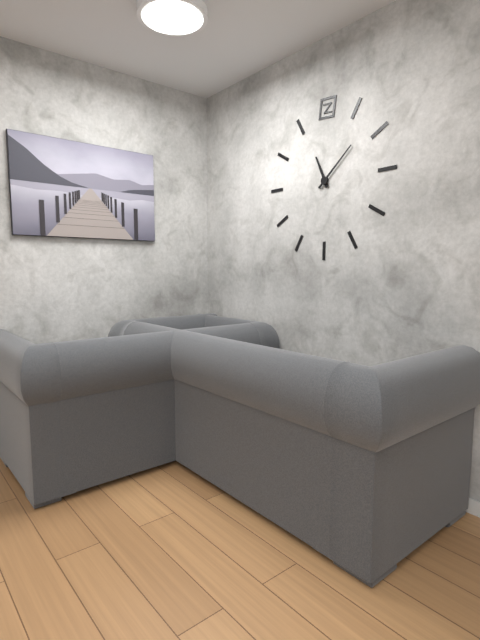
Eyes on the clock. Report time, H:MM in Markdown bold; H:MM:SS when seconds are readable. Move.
**11:08**
